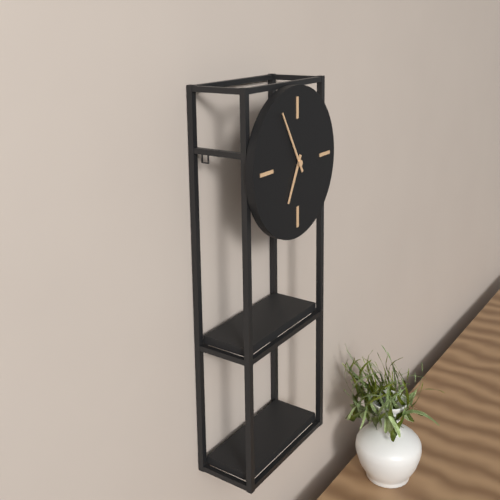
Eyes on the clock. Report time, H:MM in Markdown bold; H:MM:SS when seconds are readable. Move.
**6:55**
